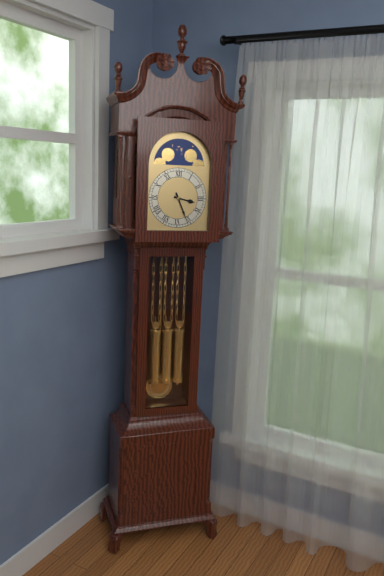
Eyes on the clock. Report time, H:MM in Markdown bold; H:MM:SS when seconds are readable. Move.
**3:26**
